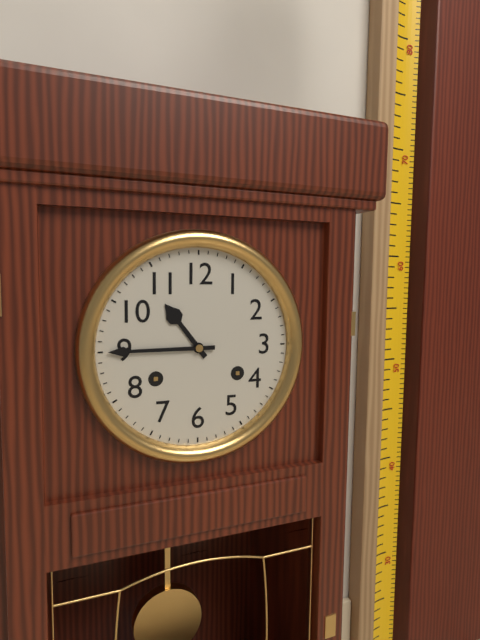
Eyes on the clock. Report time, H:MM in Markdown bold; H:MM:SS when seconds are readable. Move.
**10:45**
